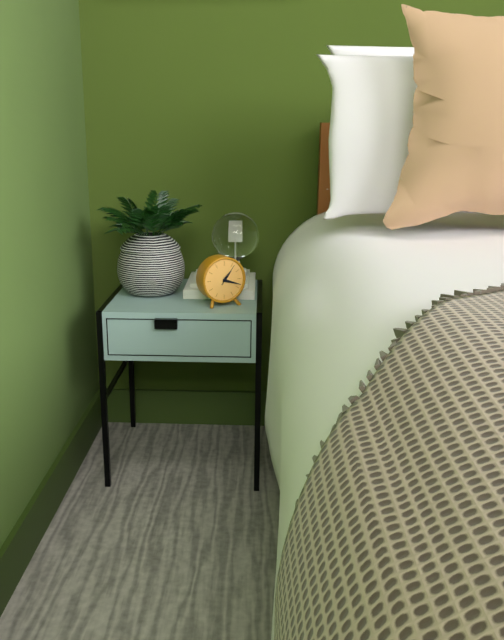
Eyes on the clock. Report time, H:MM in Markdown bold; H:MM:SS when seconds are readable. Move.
**1:18**
